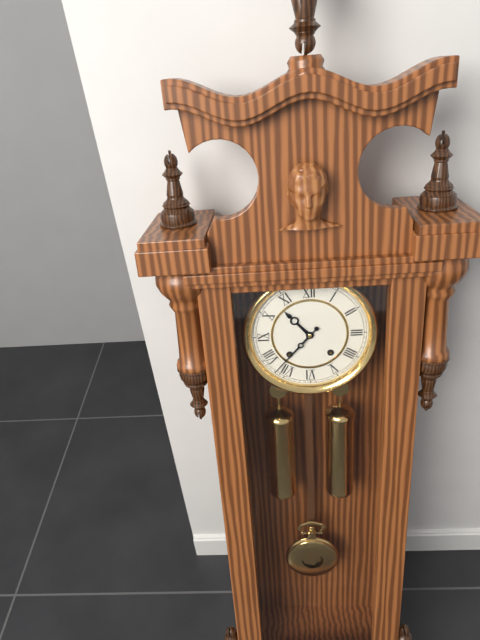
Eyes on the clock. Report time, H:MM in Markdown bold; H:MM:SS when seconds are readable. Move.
**10:37**
